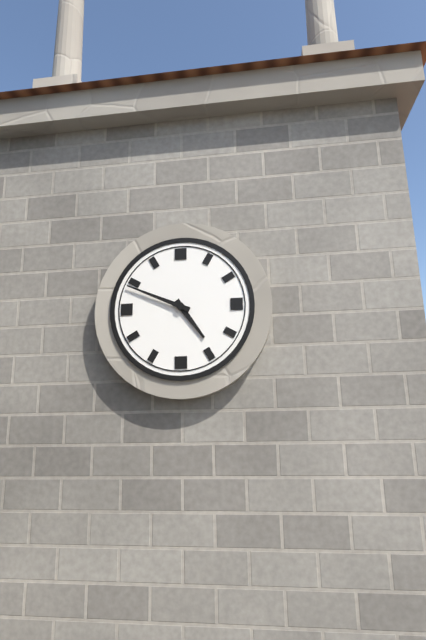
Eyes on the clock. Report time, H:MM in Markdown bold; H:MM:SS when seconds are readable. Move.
**4:49**
